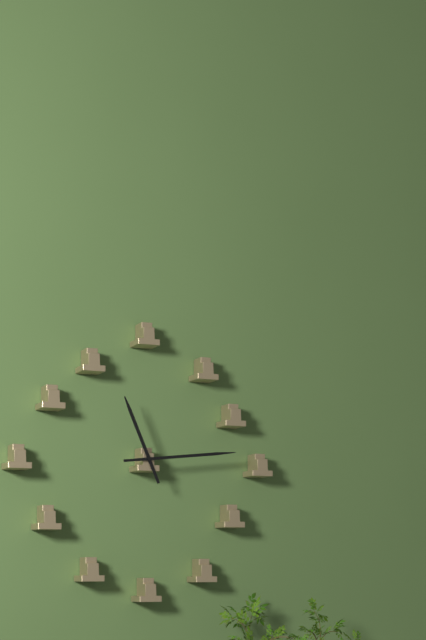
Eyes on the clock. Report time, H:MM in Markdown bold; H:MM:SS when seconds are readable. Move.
**11:14**
